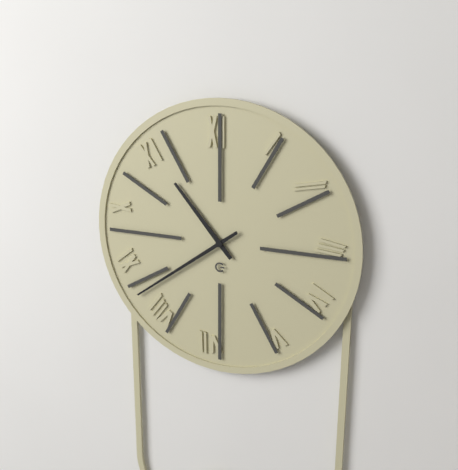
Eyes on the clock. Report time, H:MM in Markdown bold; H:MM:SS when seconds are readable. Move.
**10:39**
